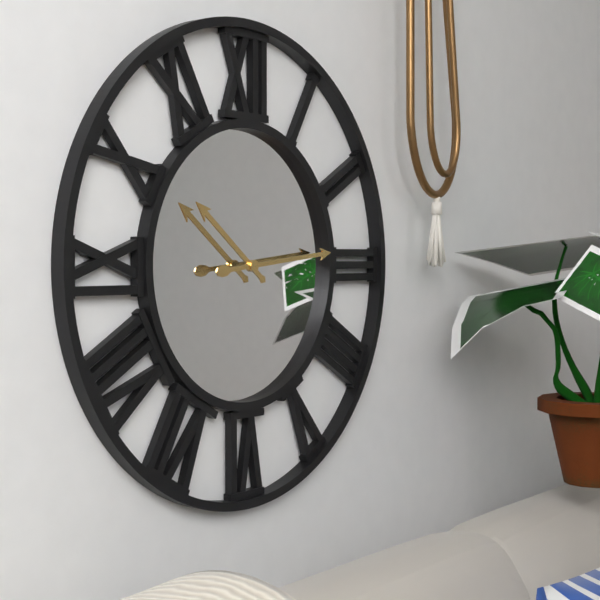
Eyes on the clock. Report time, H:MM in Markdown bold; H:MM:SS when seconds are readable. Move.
**10:14**
